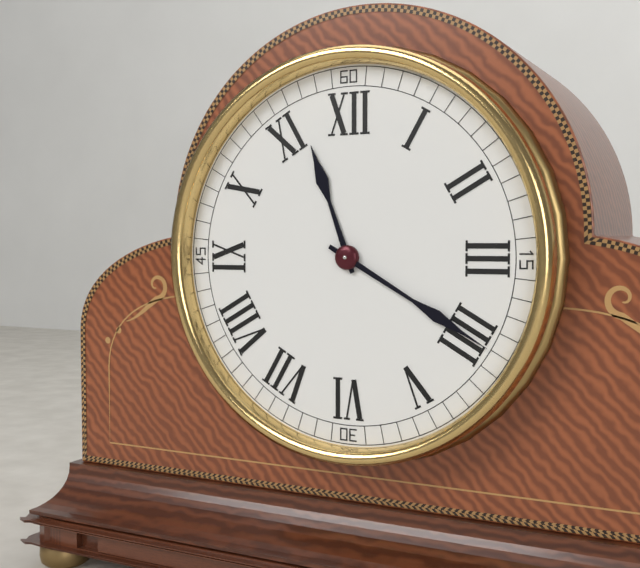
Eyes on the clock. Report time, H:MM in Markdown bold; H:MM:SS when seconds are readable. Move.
**11:20**
